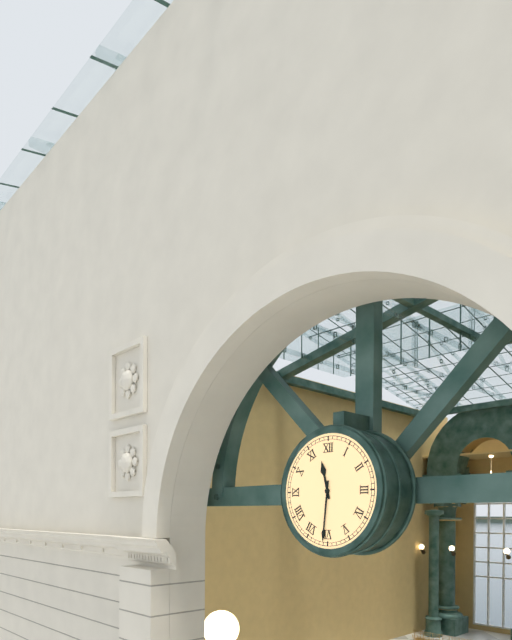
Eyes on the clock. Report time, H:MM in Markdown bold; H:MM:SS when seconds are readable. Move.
**11:31**
